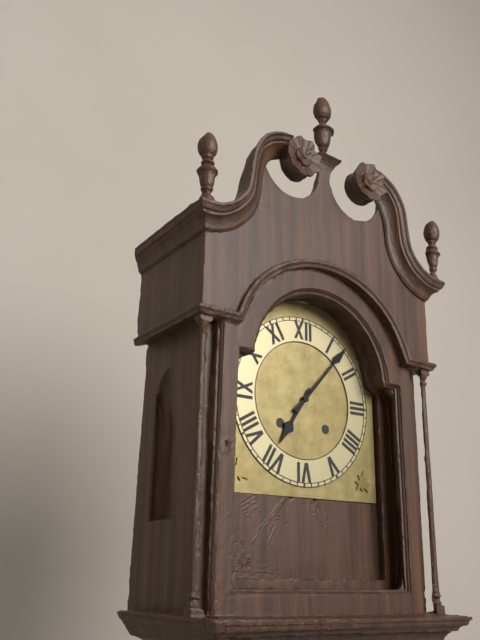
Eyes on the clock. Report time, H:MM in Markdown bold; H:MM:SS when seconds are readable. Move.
**7:07**
